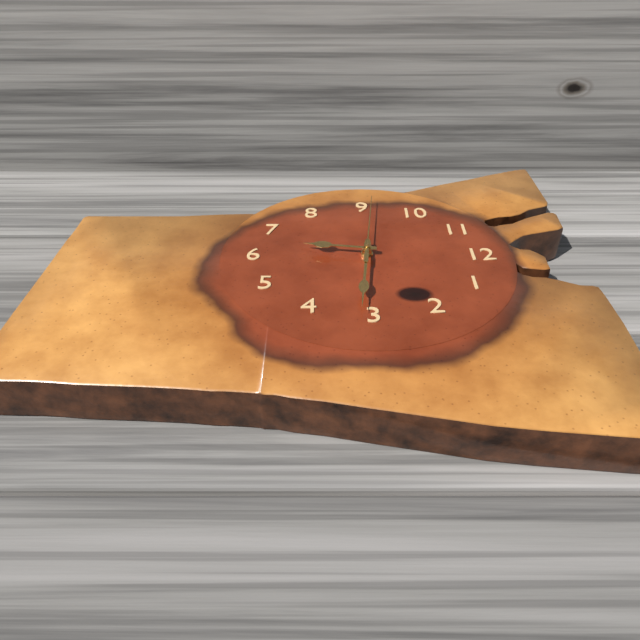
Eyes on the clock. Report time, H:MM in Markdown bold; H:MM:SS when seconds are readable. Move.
**6:16:46**
